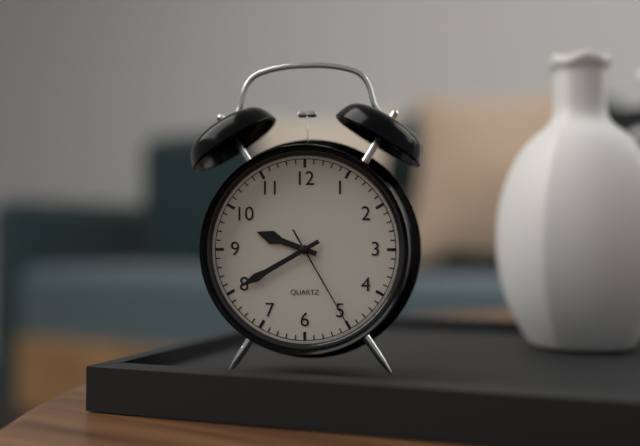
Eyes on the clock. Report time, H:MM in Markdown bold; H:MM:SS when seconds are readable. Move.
**9:40:25**
